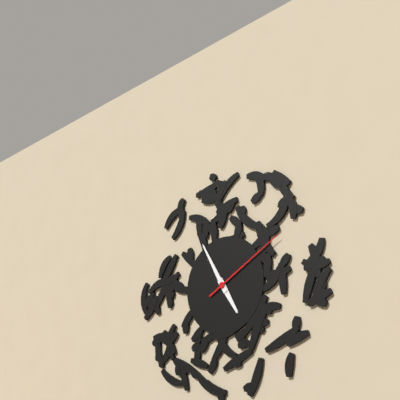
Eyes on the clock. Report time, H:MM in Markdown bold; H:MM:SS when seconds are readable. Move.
**4:55:10**
